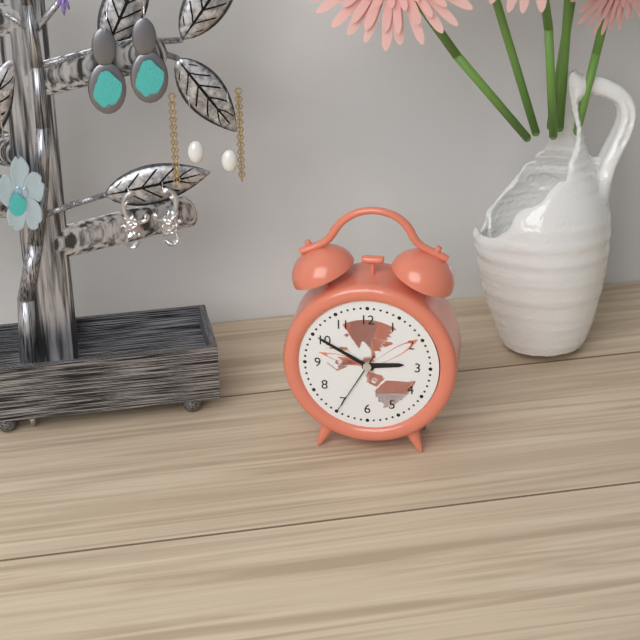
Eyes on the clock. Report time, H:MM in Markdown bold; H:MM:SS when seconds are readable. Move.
**2:50:35**
